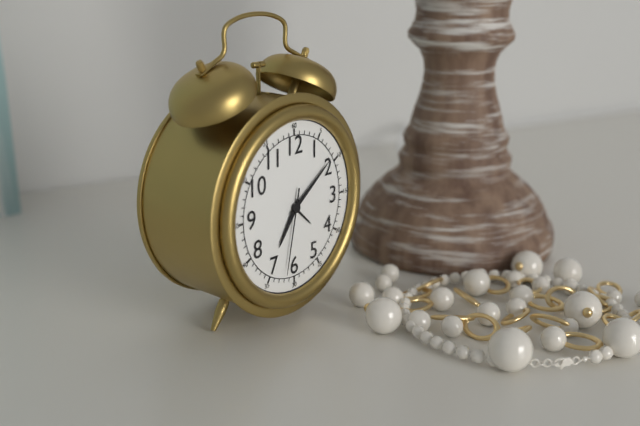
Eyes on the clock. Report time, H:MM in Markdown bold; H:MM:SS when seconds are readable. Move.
**7:09:32**
